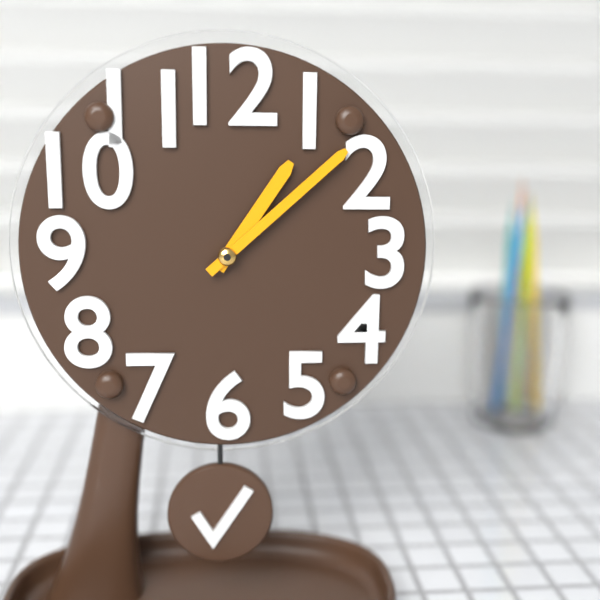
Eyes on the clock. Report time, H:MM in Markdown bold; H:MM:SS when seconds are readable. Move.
**1:08**
